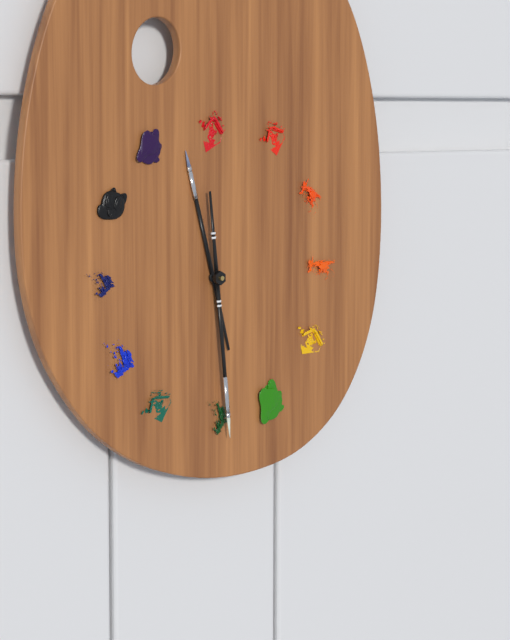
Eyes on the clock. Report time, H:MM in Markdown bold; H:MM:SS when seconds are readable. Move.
**11:29**
